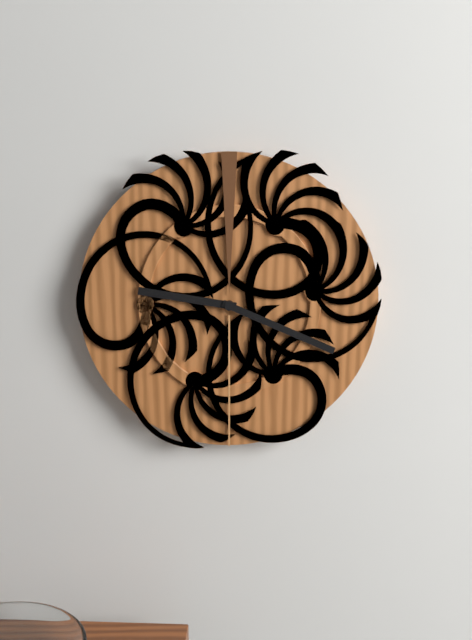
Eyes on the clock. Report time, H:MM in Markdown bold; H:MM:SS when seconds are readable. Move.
**9:19**
